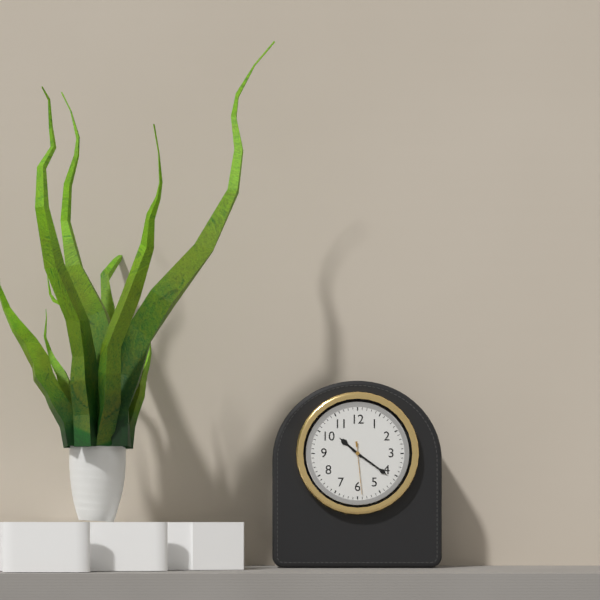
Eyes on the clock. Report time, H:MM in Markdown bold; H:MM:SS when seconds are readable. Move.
**10:21:29**
